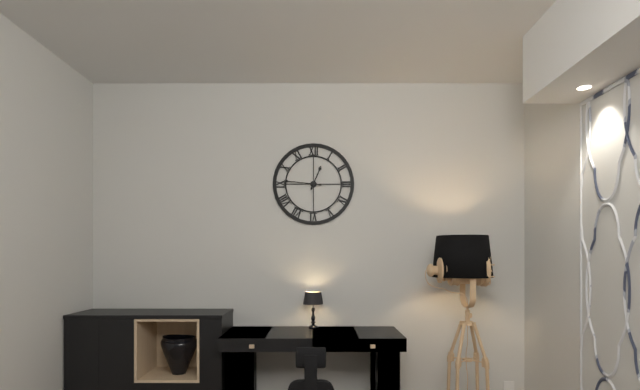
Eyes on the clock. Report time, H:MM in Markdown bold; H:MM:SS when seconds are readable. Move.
**12:46**
